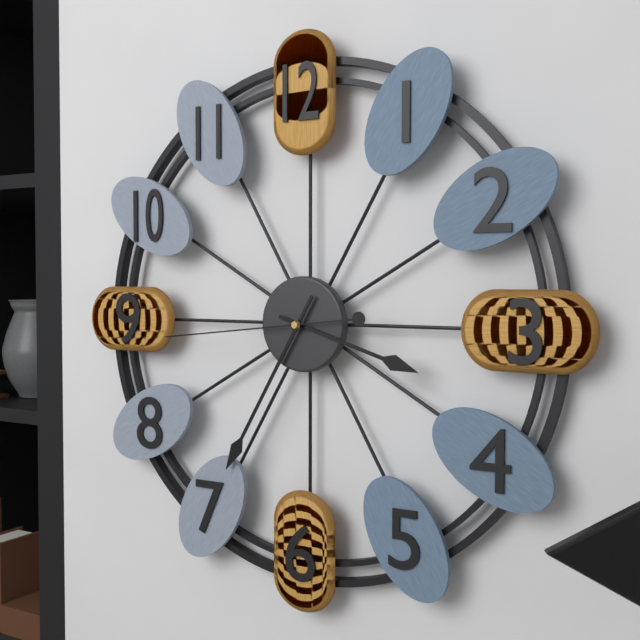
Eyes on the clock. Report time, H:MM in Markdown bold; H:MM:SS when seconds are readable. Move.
**3:35:44**
